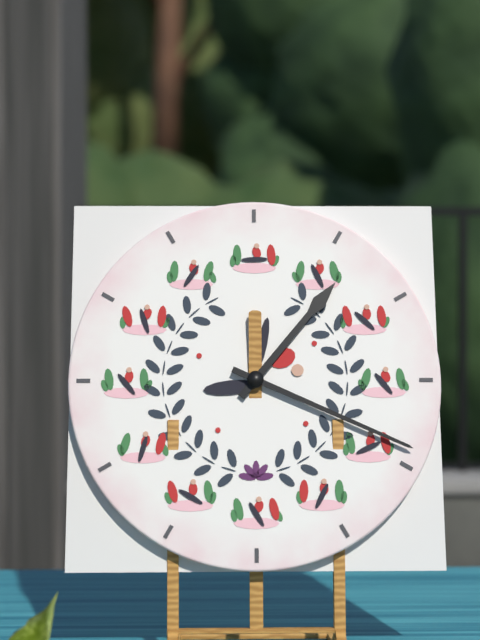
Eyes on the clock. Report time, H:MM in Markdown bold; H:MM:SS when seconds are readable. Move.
**1:19**
